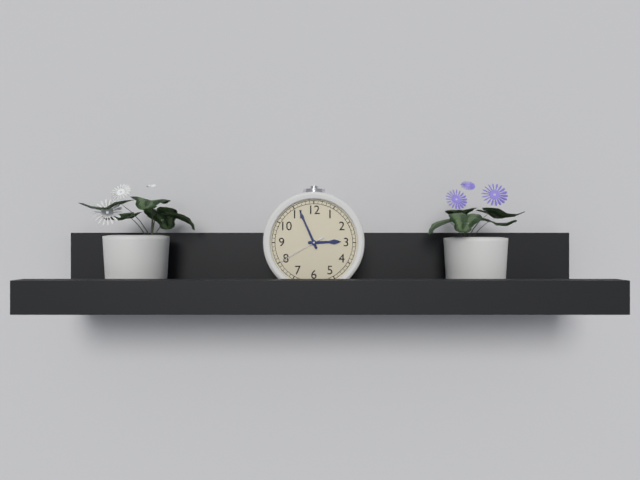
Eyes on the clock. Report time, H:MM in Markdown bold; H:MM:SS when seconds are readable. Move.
**2:56**
